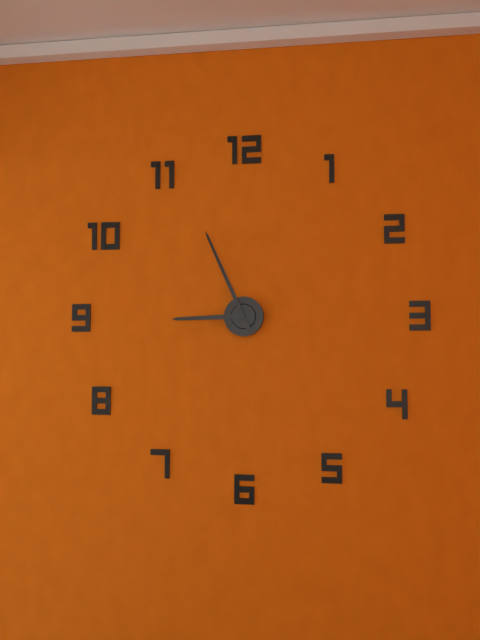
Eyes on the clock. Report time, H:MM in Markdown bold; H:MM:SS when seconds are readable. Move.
**8:56**
